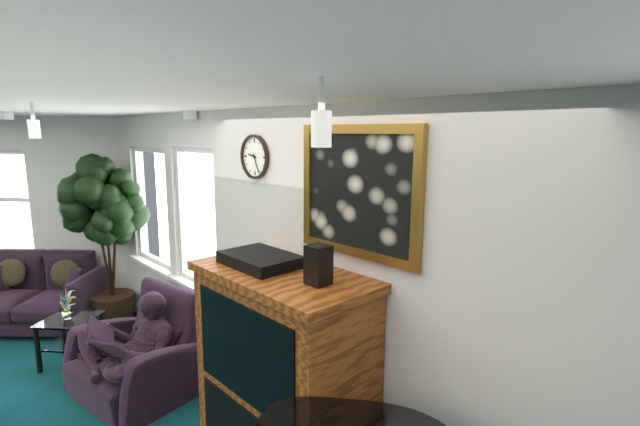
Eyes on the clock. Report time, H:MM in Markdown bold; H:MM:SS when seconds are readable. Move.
**9:26**
